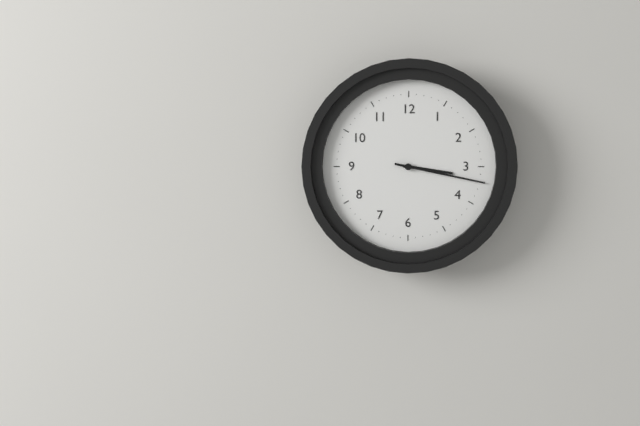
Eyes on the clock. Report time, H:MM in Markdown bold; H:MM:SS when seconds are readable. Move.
**3:17**
